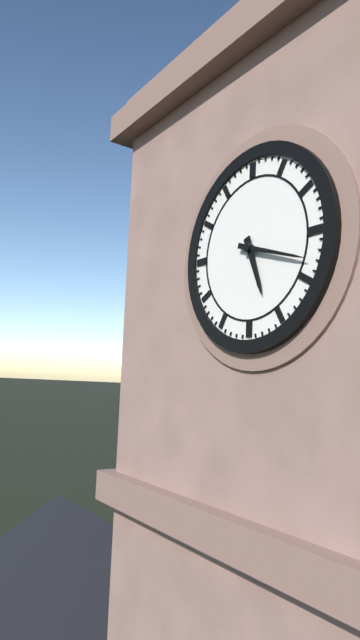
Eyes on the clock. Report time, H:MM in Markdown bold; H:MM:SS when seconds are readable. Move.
**5:18**
